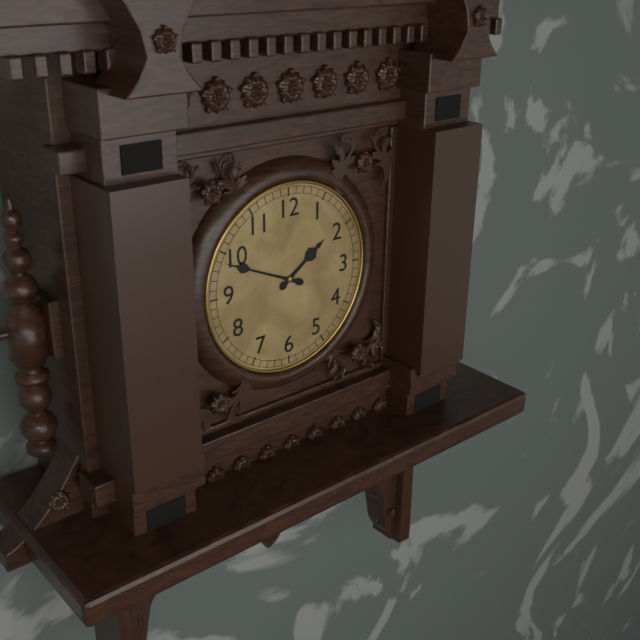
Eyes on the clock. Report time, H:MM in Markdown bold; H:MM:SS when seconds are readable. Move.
**1:49**
